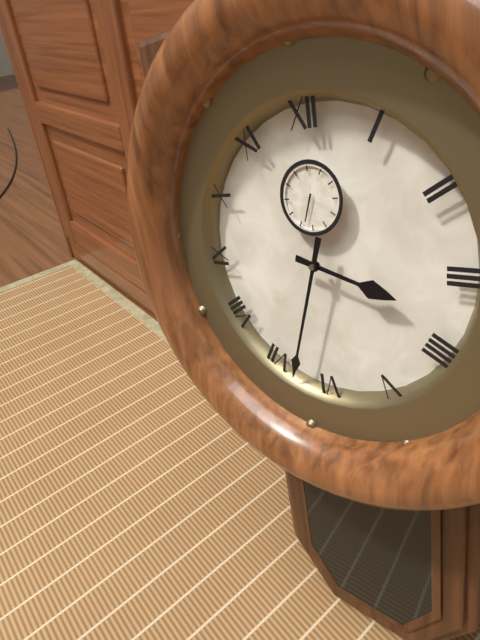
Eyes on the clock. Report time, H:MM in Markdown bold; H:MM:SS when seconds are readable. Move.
**3:33**
